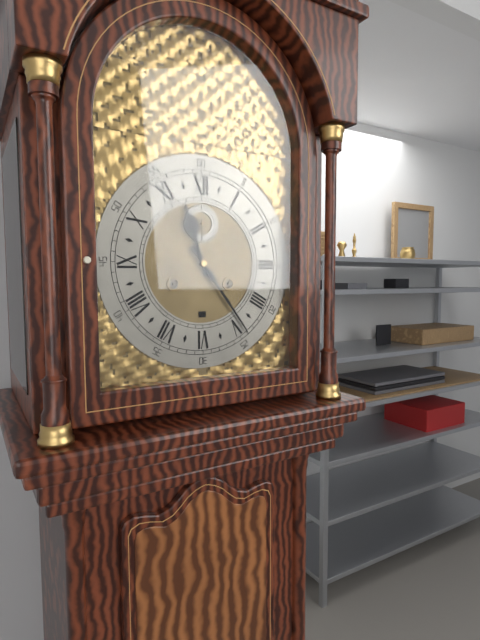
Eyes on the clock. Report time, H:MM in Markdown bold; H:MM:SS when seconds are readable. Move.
**11:24**
